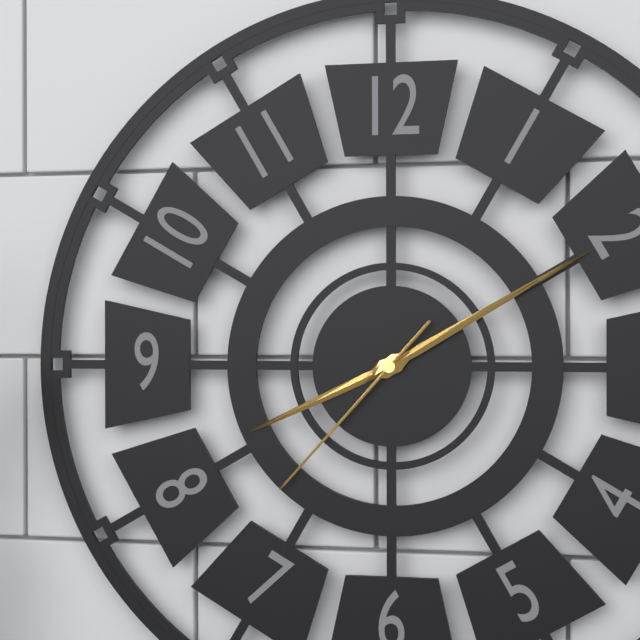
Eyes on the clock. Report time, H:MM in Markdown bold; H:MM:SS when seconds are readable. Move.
**8:10:37**
